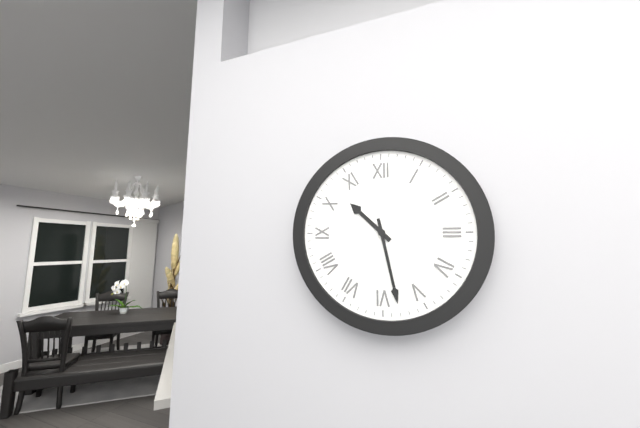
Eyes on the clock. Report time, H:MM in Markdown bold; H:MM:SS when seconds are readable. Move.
**10:28**
